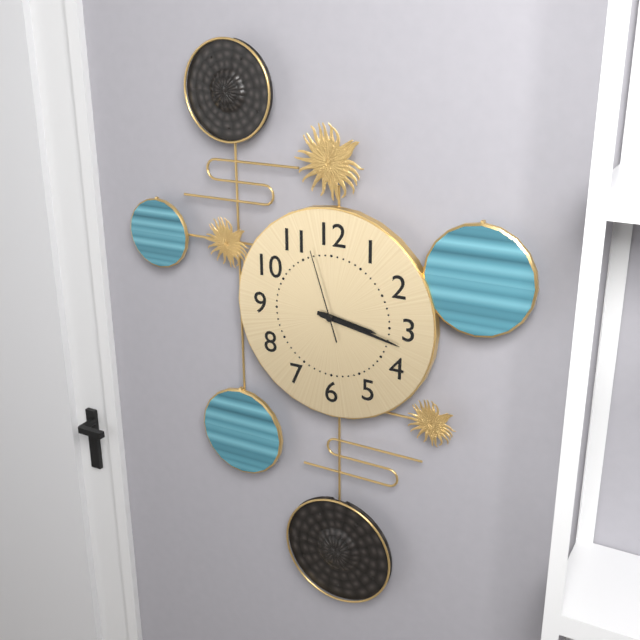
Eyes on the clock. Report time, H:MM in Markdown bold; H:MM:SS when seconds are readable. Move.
**3:17:57**
